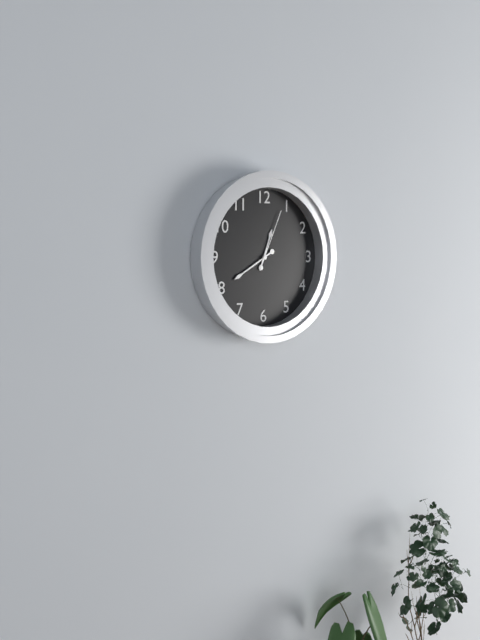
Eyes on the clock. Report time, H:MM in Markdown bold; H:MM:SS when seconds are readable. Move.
**12:40:04**
